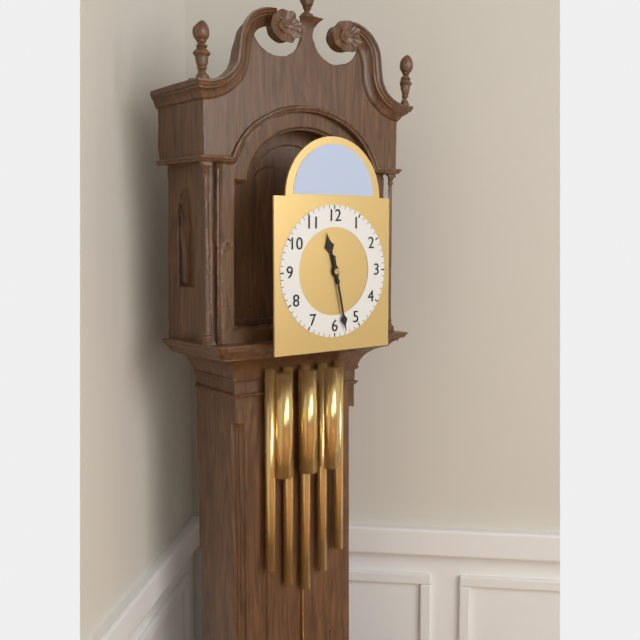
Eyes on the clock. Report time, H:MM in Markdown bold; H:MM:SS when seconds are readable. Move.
**11:28**
